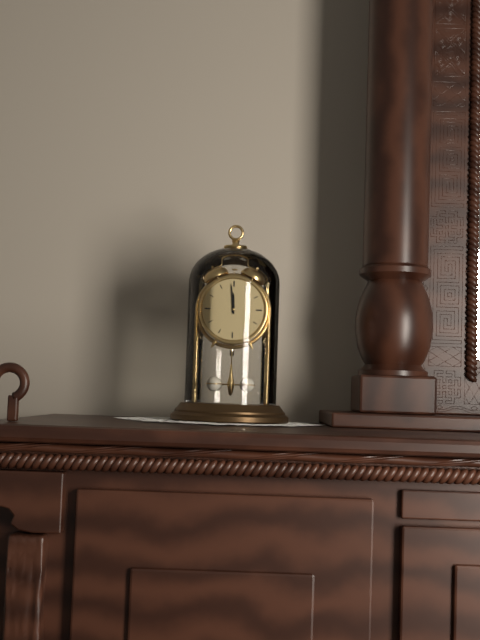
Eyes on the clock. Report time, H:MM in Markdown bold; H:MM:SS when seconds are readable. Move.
**11:59**
